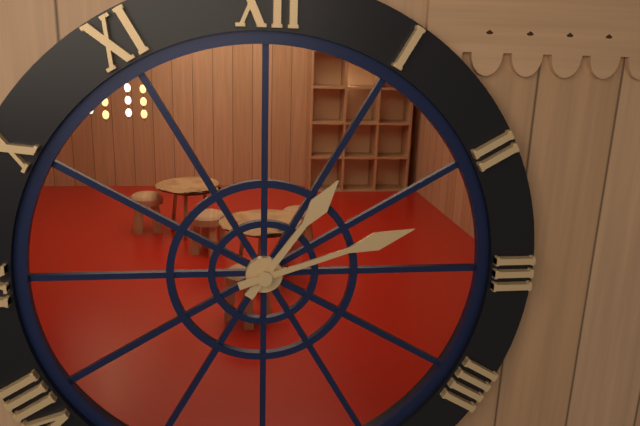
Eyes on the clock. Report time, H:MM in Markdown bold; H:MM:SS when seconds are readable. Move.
**1:12**
